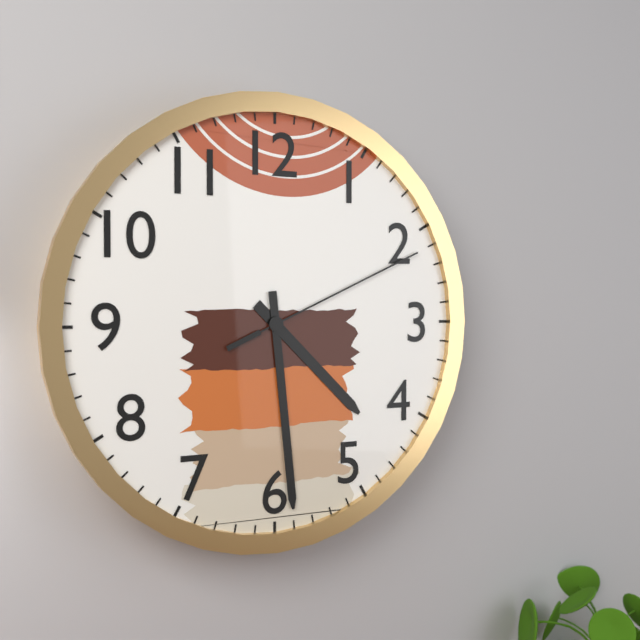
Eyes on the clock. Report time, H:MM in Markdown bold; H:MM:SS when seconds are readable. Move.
**4:29:11**
